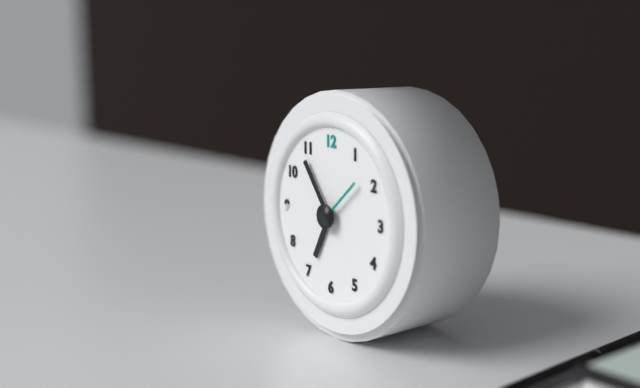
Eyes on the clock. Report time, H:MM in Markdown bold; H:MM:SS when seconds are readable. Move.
**6:54**
